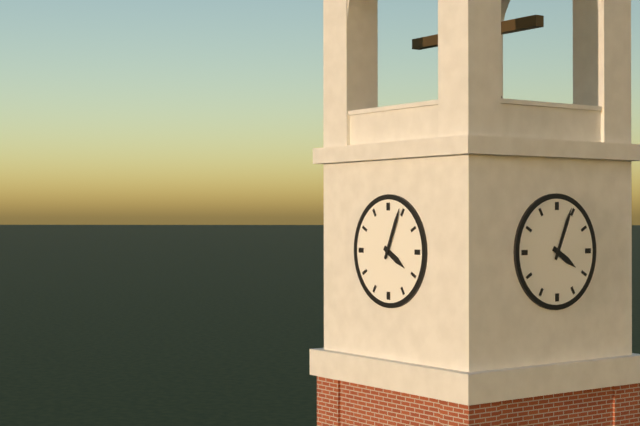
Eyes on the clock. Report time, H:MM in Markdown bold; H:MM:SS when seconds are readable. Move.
**4:04**
